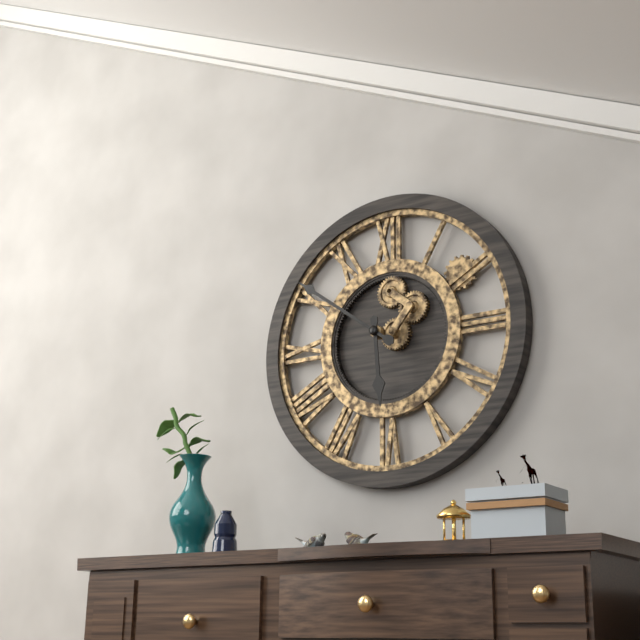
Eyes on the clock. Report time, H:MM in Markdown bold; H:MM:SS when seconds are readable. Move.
**5:51**
